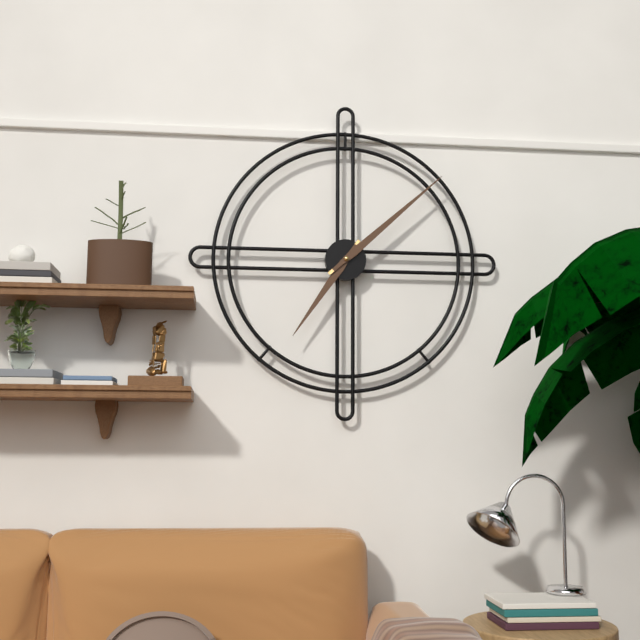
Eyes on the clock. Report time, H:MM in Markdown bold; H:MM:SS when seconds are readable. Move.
**7:08**
